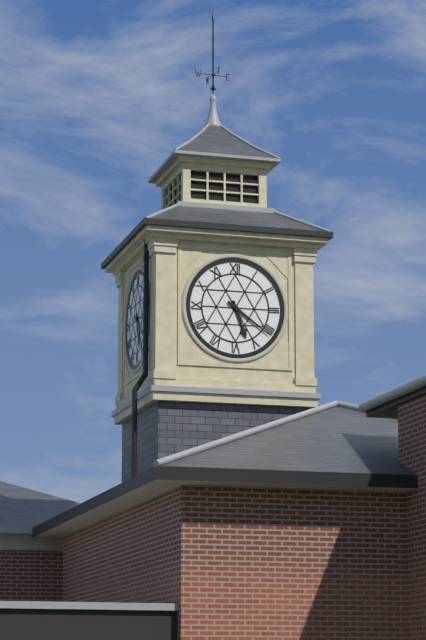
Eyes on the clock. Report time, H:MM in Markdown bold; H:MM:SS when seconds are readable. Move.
**5:21**
